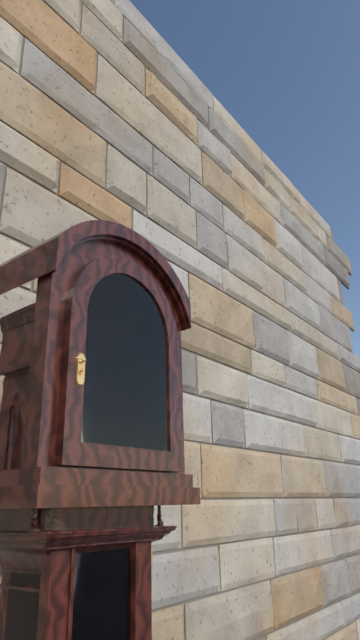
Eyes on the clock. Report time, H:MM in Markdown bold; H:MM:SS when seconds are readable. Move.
**3:55**
